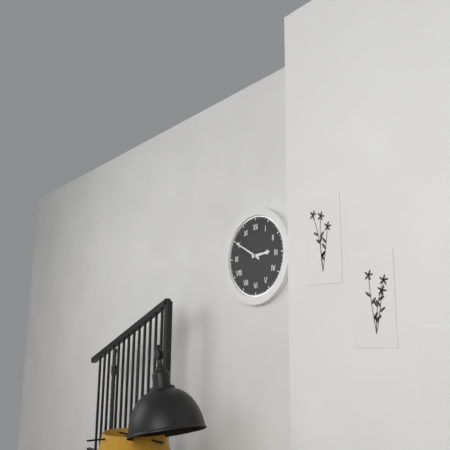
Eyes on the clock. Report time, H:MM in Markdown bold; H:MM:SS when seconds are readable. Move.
**2:50**
